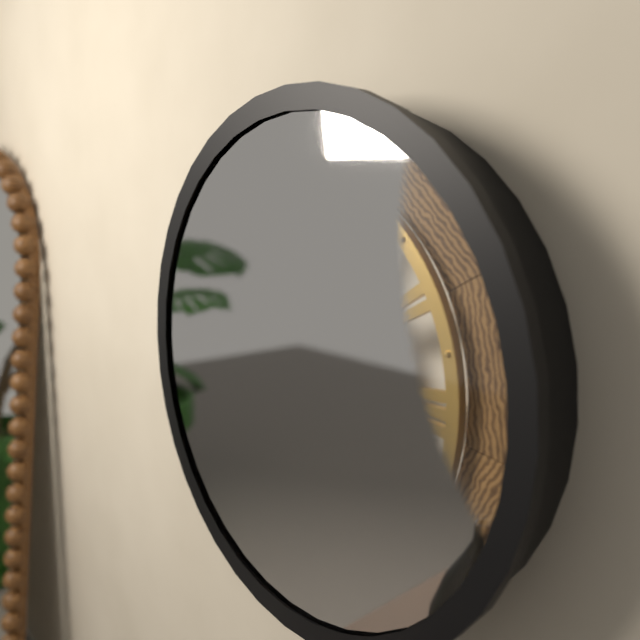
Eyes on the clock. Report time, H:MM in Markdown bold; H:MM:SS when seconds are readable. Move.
**1:47**
